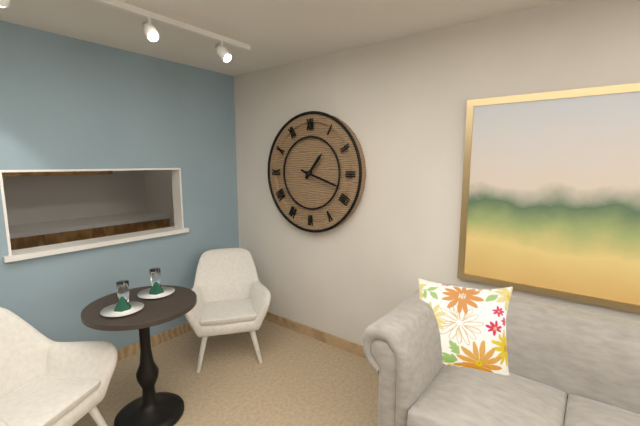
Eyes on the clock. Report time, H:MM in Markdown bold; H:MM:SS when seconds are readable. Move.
**1:18**
